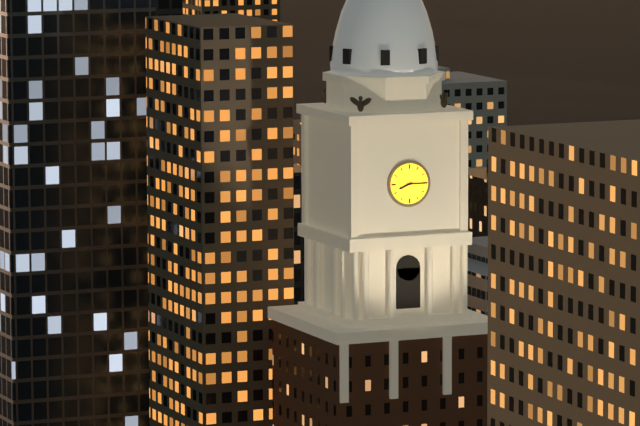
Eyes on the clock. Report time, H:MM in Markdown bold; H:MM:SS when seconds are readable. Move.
**8:15**
